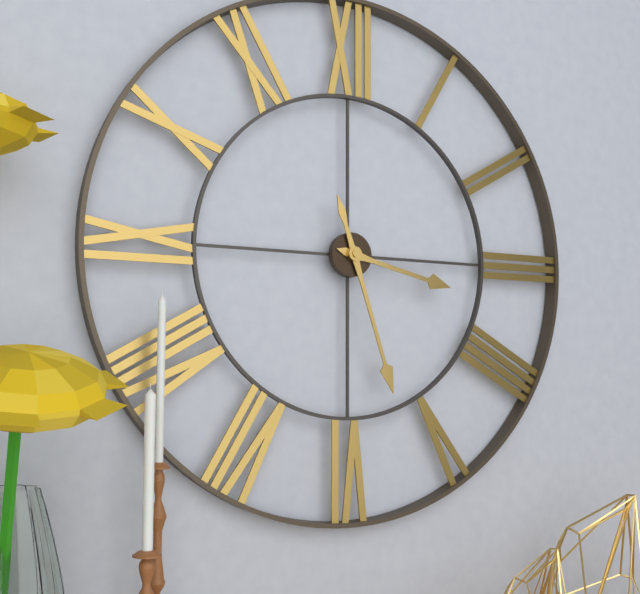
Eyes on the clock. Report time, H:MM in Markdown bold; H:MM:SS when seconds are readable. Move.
**3:27**
